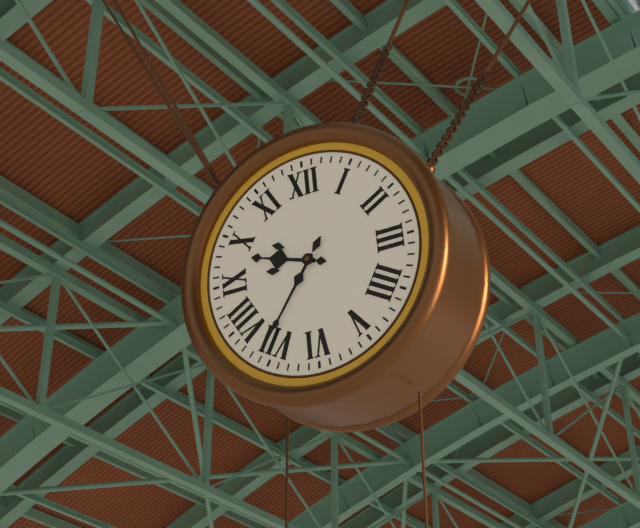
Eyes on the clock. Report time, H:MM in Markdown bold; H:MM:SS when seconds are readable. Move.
**9:36**
